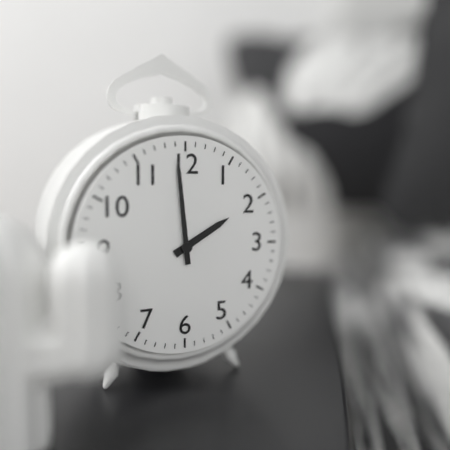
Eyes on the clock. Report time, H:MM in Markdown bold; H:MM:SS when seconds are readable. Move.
**1:59**
